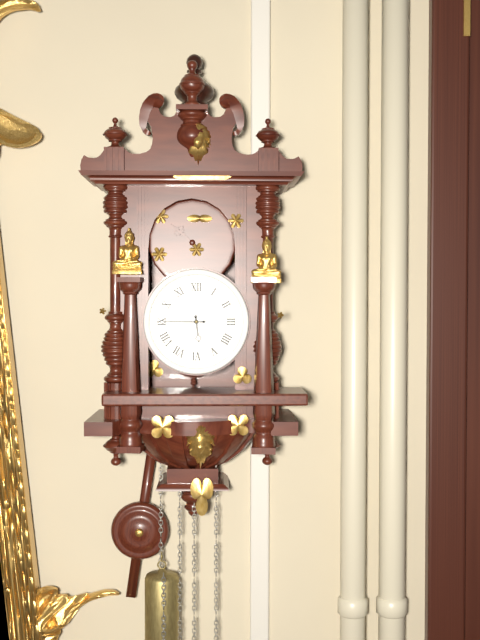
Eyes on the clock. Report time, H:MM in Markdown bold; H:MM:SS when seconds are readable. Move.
**5:45**
